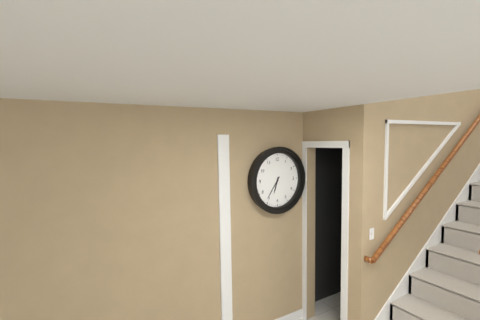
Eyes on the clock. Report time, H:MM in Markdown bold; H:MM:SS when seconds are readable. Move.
**6:36**
